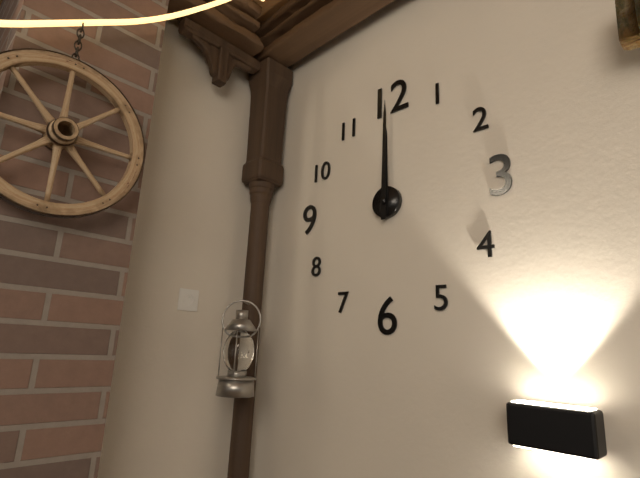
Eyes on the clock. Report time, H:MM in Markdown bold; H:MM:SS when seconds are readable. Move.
**12:00**
